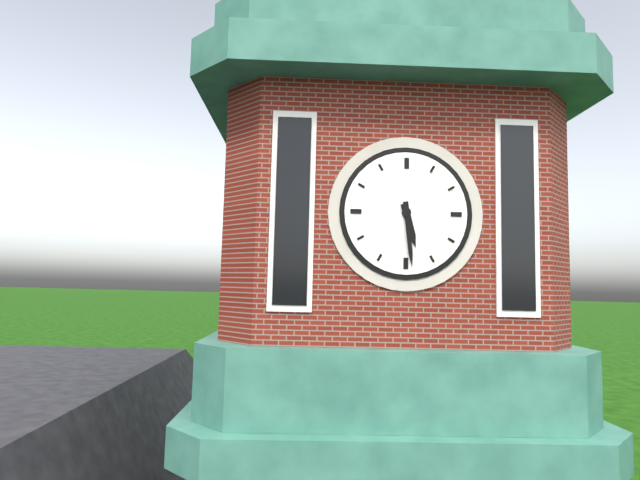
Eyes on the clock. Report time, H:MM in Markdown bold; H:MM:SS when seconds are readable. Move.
**5:29**
